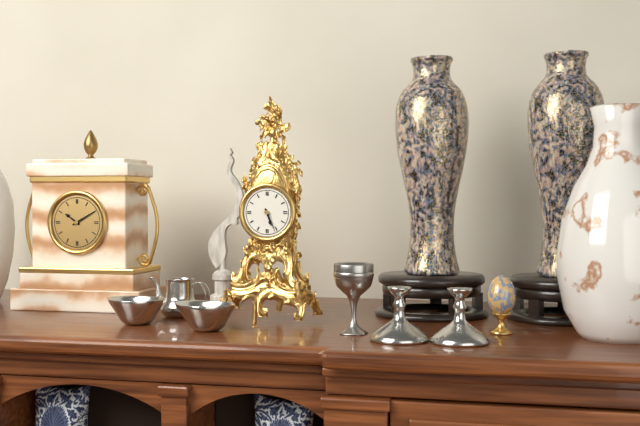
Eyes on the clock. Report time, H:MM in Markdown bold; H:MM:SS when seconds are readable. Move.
**5:26**
